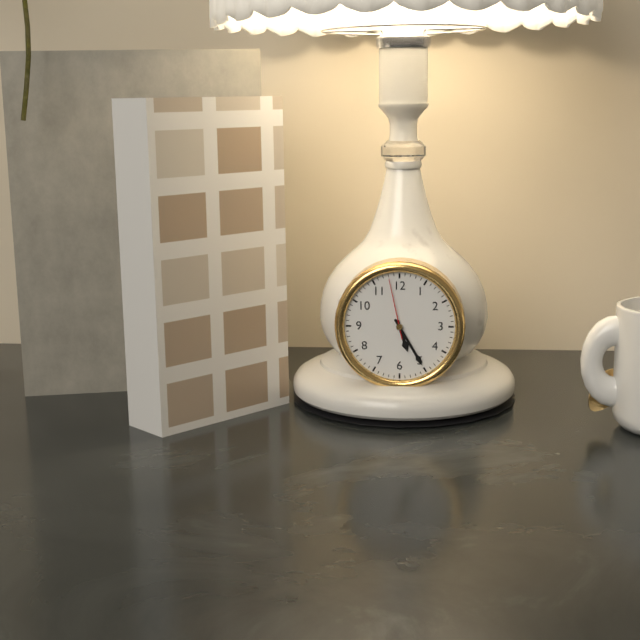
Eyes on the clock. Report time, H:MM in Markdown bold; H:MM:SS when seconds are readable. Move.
**5:25:58**
